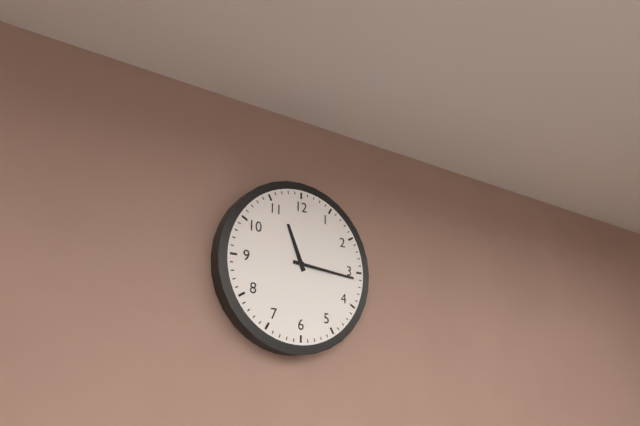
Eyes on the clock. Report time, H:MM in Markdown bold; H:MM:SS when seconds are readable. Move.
**11:16**
